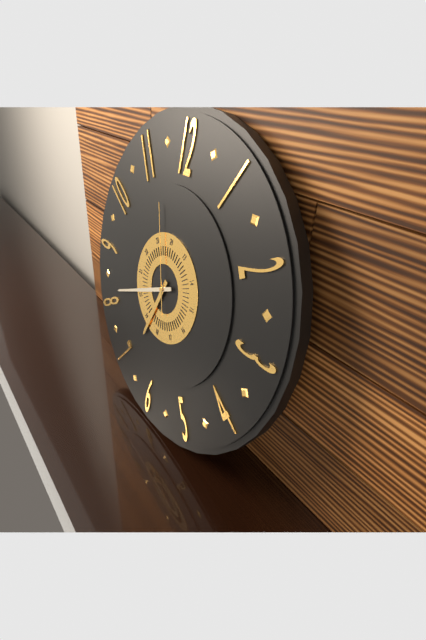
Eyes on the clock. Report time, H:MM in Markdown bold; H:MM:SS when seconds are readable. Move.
**6:41:57**
